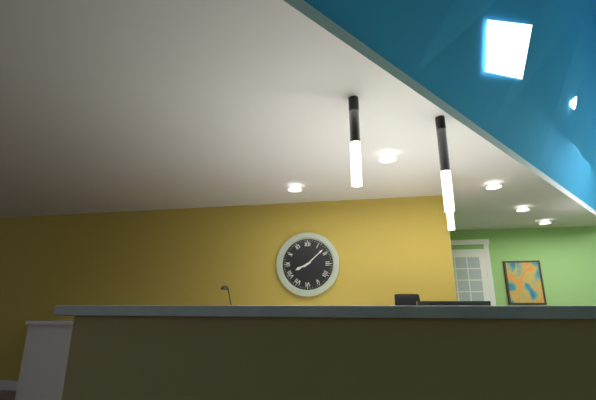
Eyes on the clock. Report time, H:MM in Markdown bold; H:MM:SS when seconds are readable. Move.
**8:08**
